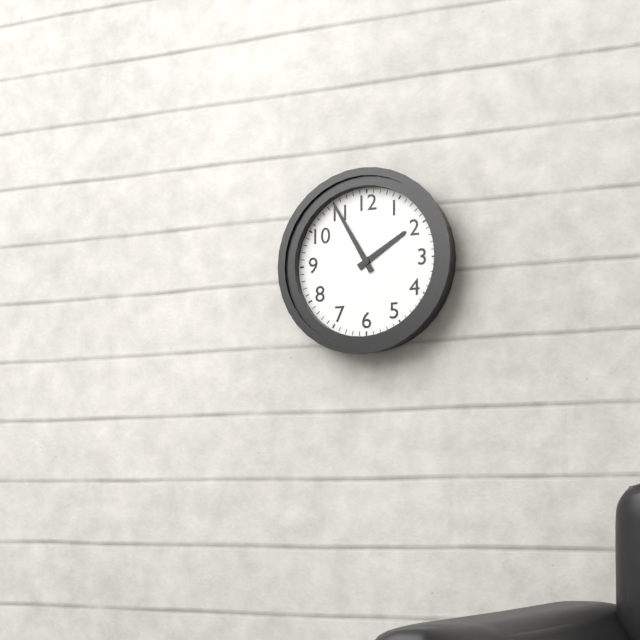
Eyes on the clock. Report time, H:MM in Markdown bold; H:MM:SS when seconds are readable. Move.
**1:55**
